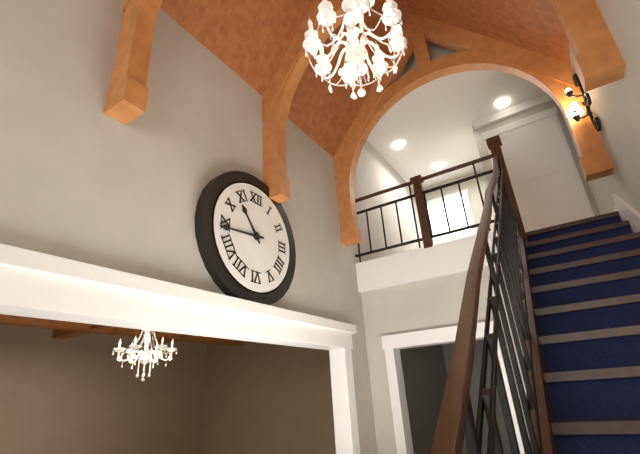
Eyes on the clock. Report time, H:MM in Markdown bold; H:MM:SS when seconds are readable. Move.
**10:44**
